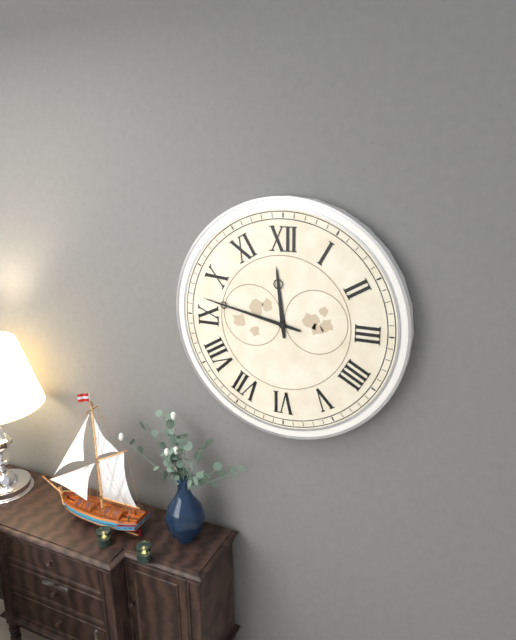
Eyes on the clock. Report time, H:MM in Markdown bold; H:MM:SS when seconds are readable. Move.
**11:47**
